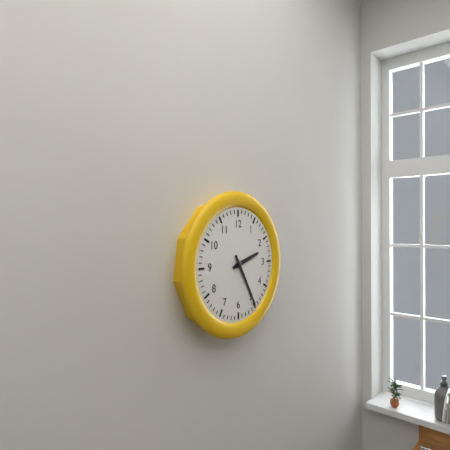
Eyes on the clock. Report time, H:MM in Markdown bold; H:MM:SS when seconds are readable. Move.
**2:25**
